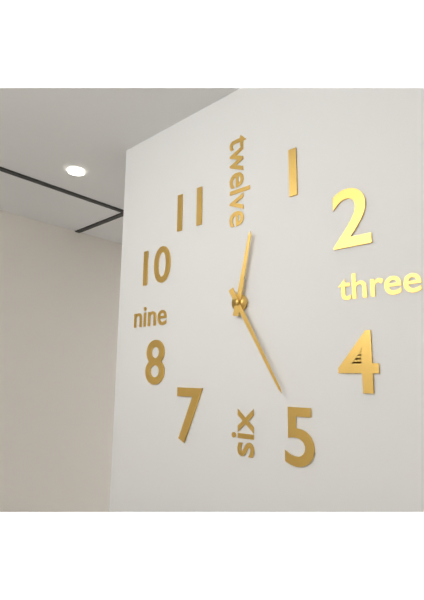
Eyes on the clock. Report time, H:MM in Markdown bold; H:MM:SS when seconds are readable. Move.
**12:25**
